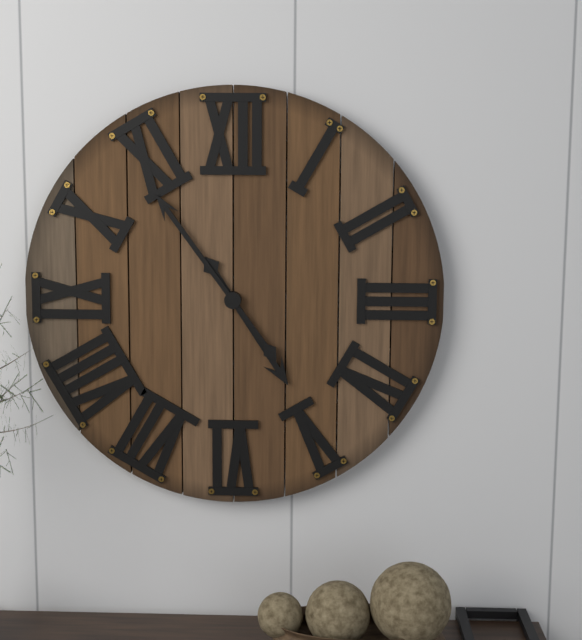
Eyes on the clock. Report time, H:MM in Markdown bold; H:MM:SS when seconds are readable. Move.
**4:54**
